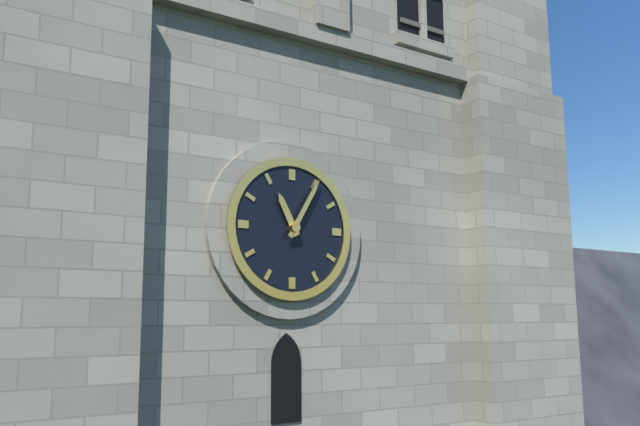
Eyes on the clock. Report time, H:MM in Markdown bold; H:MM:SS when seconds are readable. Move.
**11:05**
